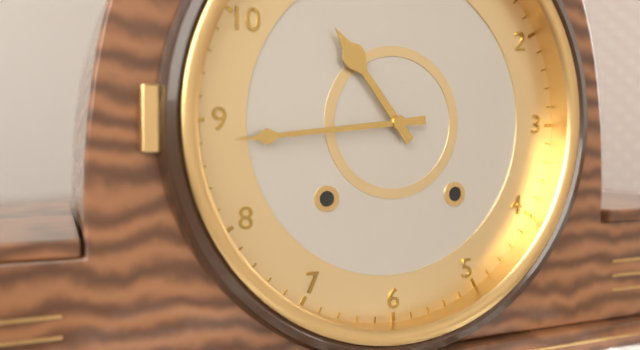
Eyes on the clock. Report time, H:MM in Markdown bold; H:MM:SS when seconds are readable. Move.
**10:44**
